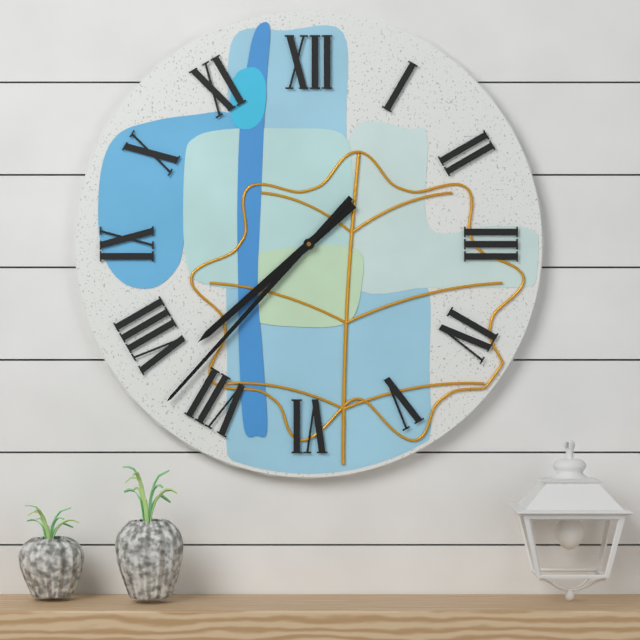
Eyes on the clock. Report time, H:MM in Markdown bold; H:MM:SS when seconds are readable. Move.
**7:37**
